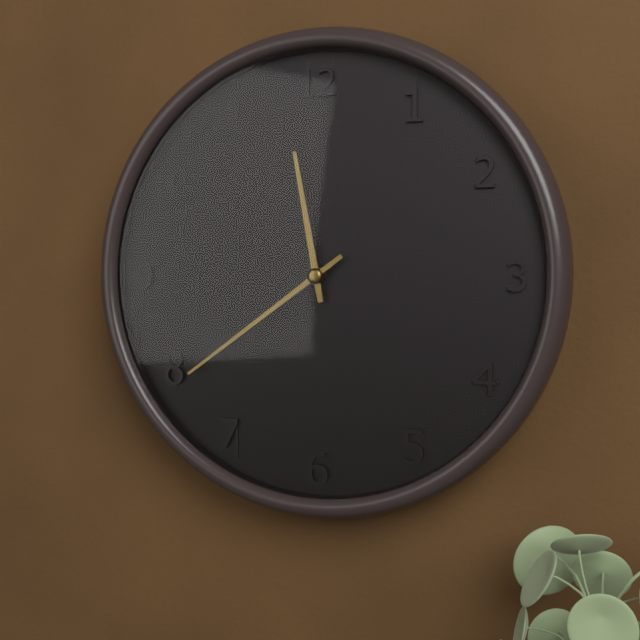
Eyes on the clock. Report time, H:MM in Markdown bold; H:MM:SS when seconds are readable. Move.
**11:39**
